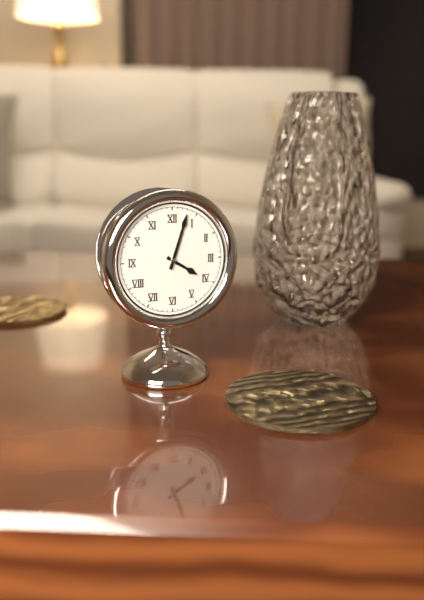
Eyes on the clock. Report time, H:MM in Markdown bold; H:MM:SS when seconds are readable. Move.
**4:03**
